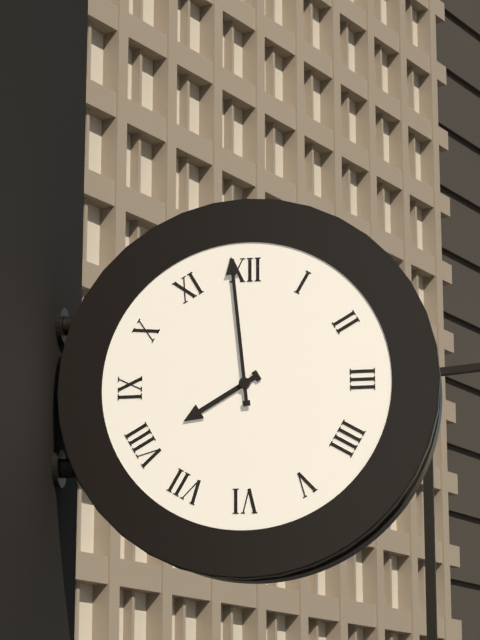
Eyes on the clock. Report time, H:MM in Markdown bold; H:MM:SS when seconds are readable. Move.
**7:59**
